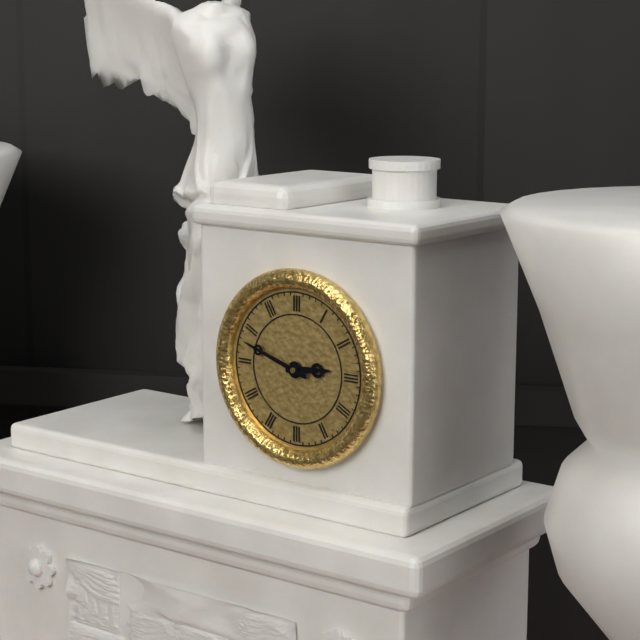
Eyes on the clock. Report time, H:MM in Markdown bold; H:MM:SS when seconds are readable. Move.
**2:48**
